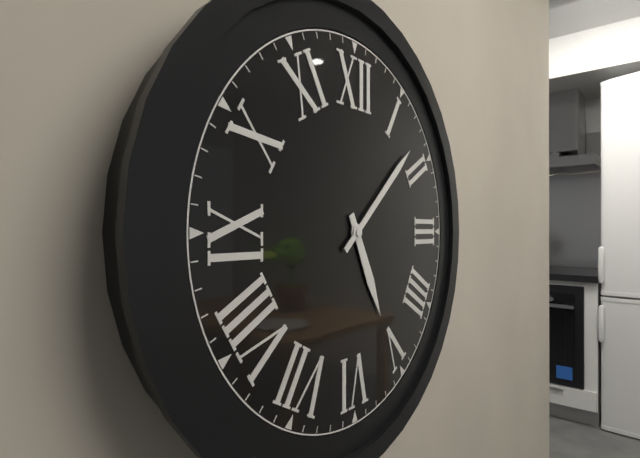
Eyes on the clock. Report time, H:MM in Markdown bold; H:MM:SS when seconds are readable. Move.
**5:08**
